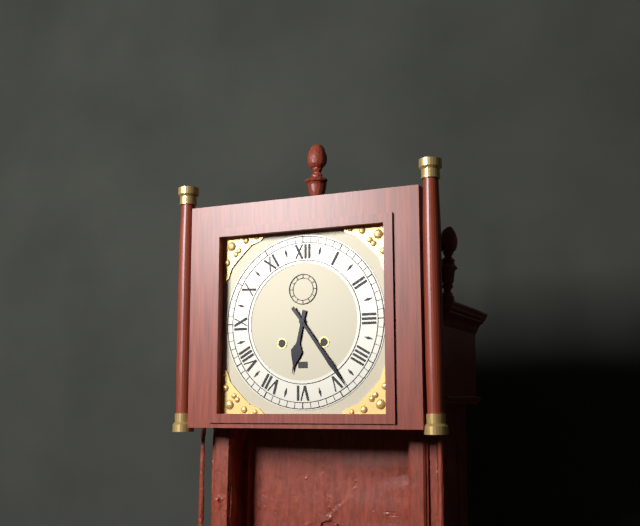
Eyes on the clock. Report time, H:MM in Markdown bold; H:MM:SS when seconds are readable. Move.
**6:24**
